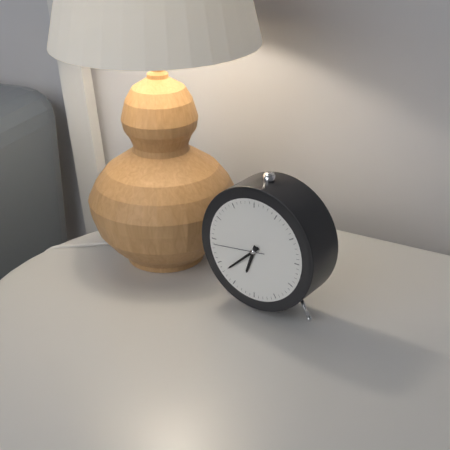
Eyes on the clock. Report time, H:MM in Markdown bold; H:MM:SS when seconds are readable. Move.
**6:38**
